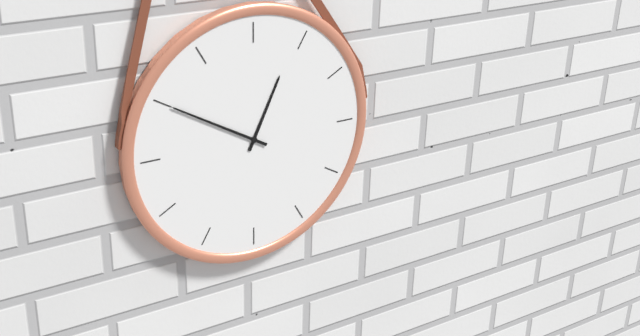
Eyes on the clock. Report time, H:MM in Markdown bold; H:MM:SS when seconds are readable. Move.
**12:50**
